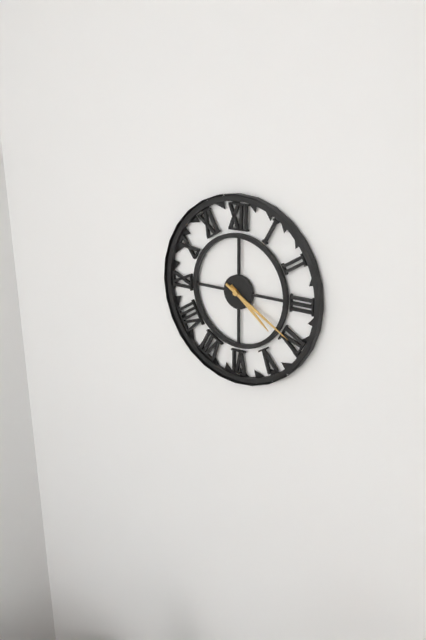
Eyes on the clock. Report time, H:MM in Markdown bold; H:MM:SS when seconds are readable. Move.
**4:20**
